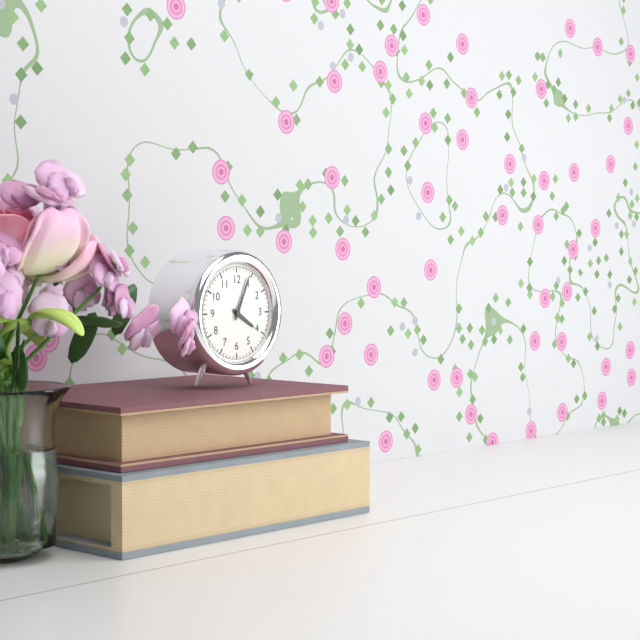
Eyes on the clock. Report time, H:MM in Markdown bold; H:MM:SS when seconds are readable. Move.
**4:04**
